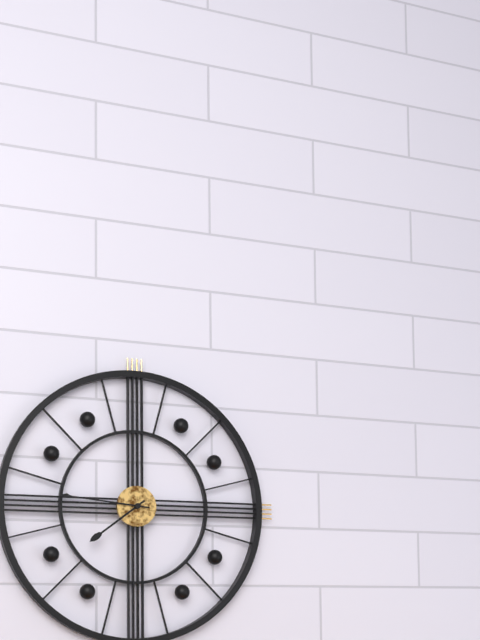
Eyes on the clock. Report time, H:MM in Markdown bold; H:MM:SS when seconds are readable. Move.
**7:46**
